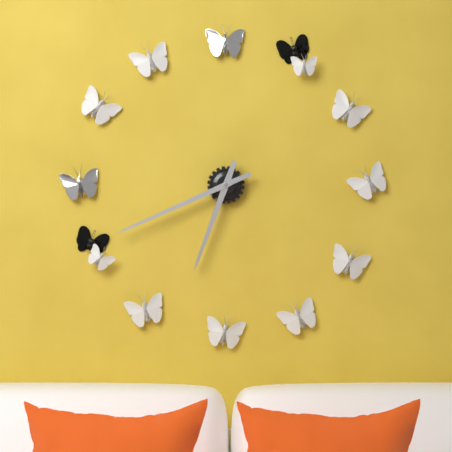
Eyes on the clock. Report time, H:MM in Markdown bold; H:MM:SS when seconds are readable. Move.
**6:41**
